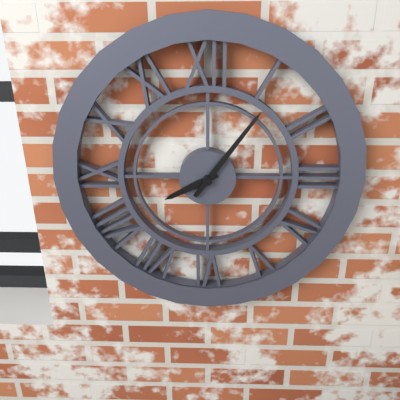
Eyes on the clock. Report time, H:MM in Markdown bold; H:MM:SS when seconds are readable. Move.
**8:06**
